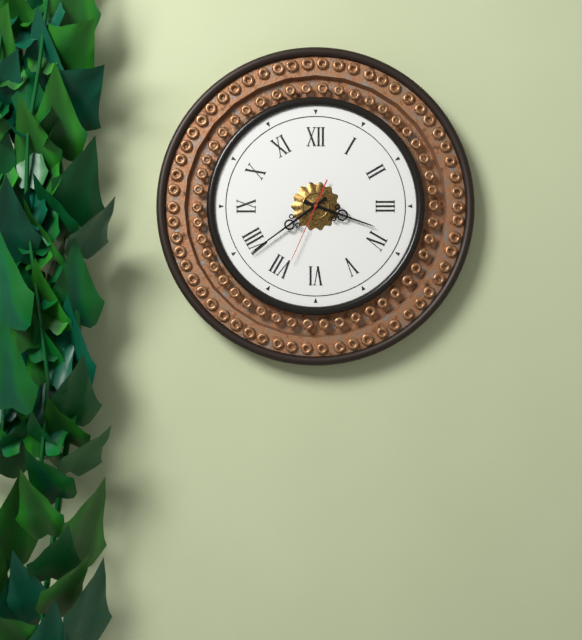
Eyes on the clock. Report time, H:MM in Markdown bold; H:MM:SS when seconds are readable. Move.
**3:39:34**
